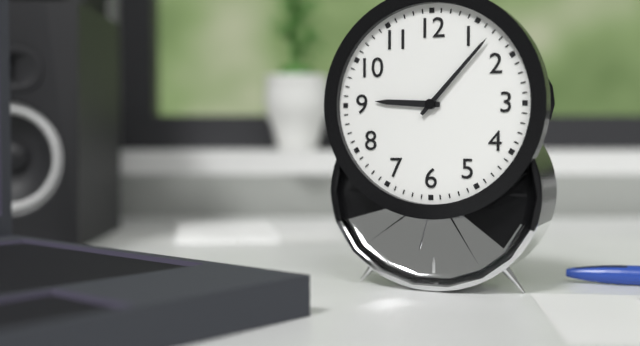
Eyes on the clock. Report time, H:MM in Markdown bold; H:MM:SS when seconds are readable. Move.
**9:07**
